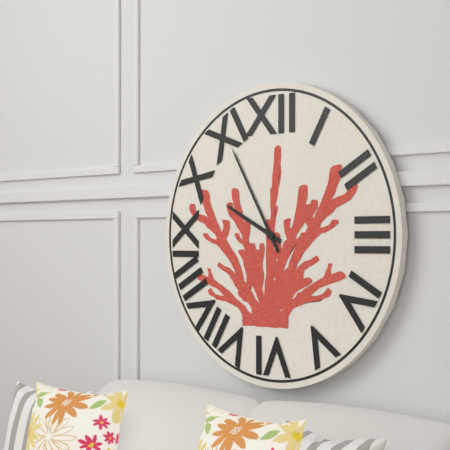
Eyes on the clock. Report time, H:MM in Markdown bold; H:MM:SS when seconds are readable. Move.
**9:55**
